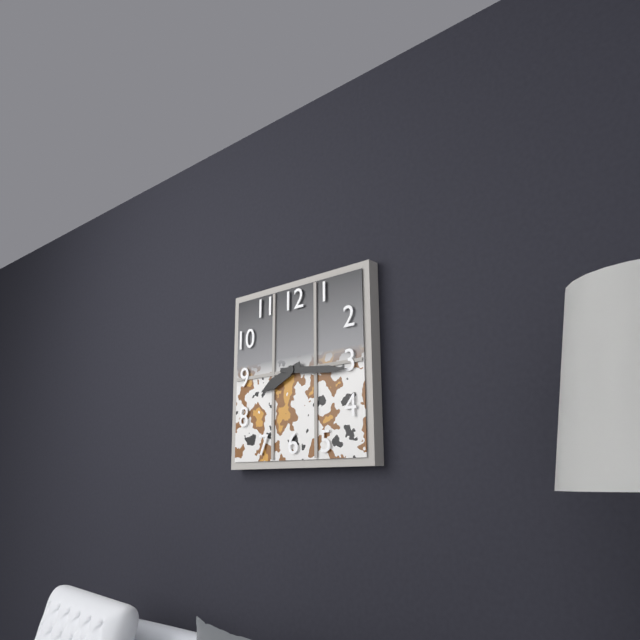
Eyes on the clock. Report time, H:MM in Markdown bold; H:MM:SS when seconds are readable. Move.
**8:16**
